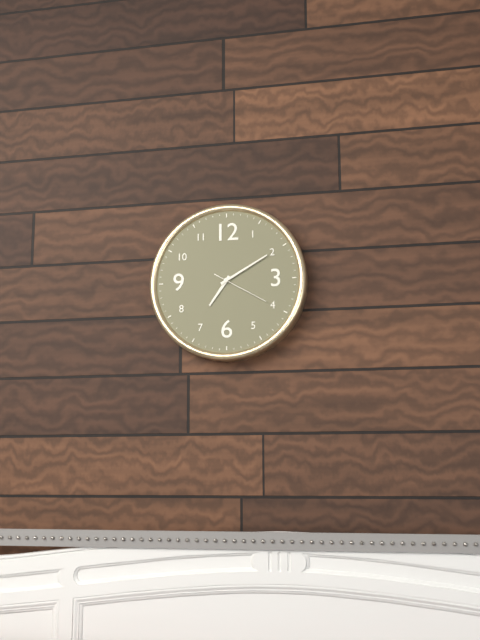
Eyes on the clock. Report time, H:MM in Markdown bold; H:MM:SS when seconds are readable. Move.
**7:10:20**
